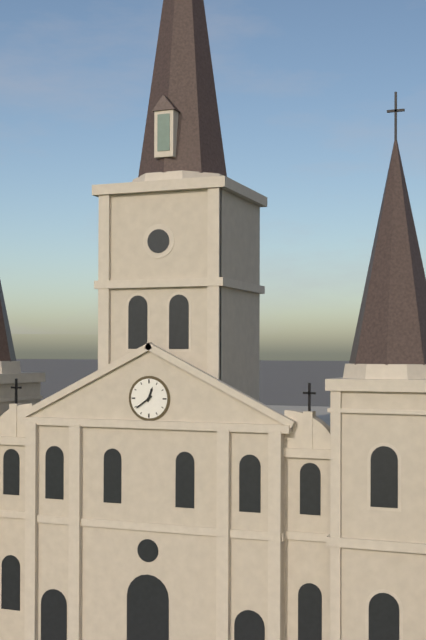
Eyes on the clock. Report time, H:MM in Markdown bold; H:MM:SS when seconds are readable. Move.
**12:39**
